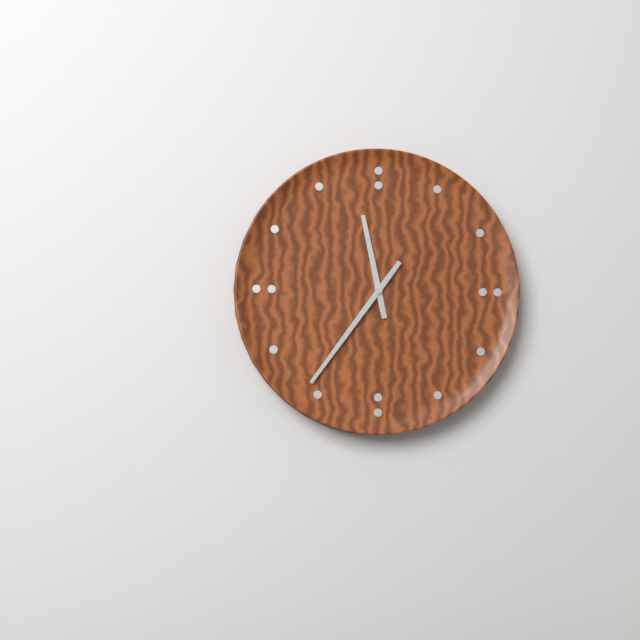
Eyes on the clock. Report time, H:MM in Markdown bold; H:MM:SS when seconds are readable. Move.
**11:36**
